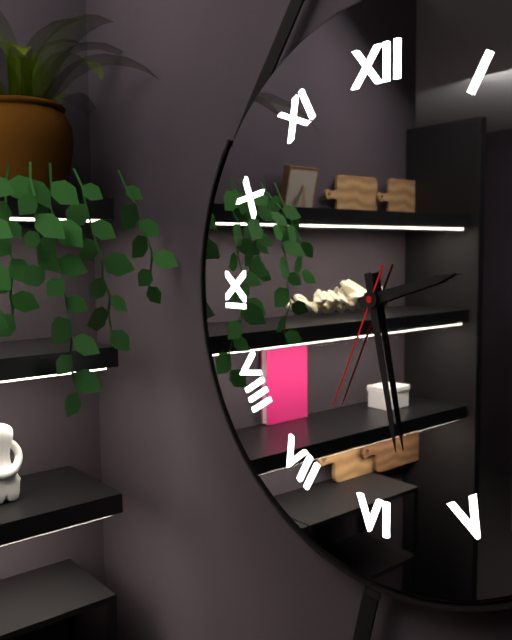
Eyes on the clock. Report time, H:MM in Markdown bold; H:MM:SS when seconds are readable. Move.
**2:28:34**
